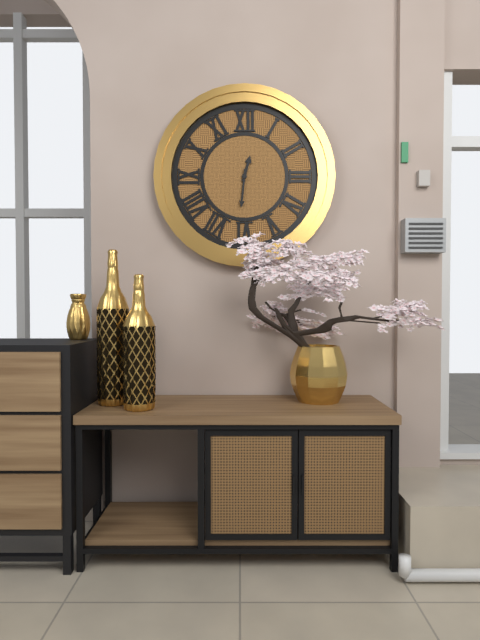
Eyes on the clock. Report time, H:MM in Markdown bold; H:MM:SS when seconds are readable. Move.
**12:31**
